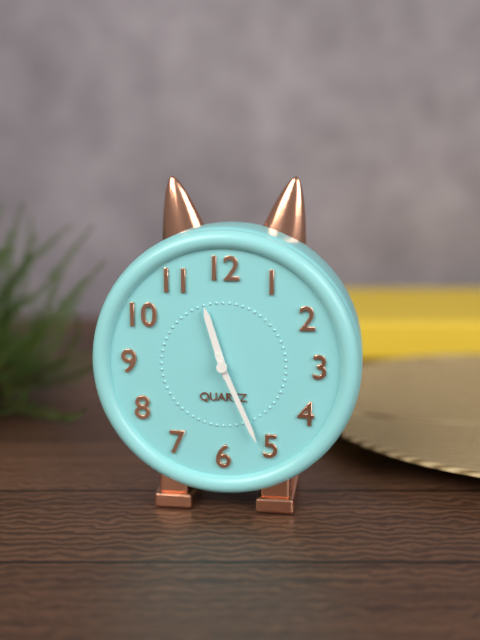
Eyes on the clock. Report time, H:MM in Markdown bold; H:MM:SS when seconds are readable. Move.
**11:26**
